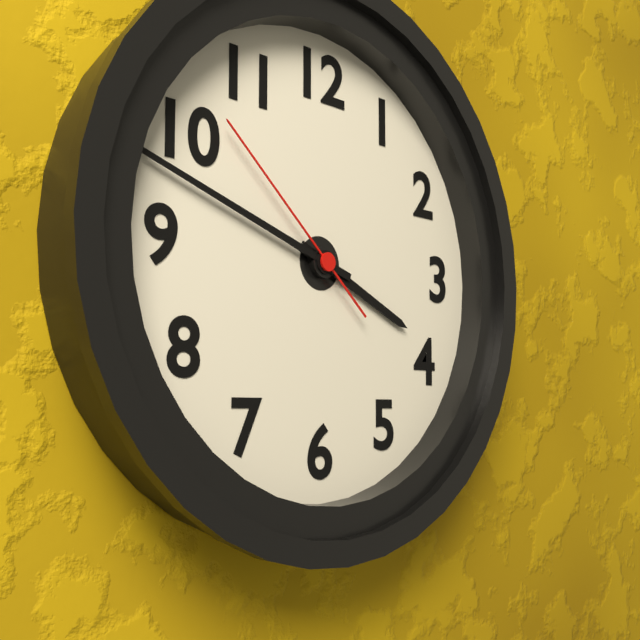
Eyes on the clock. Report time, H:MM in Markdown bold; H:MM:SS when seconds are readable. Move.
**3:48:52**
